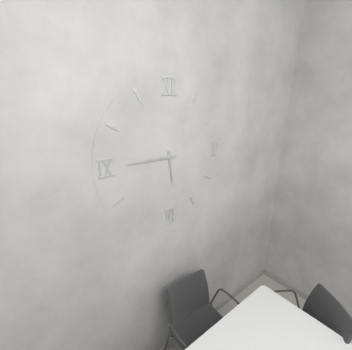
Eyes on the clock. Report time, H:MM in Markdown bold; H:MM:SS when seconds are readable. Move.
**5:45**
